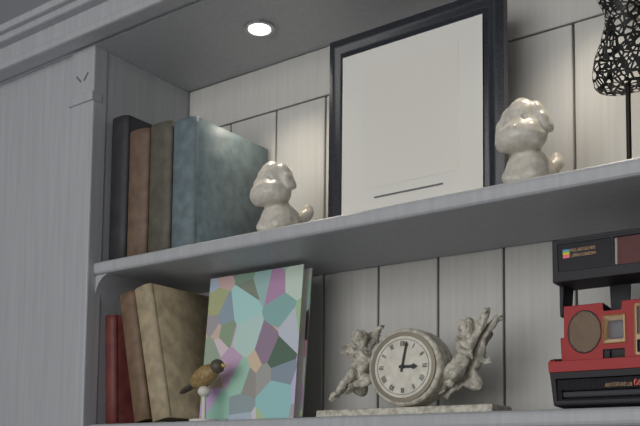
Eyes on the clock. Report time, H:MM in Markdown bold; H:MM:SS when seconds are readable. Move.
**3:02**
